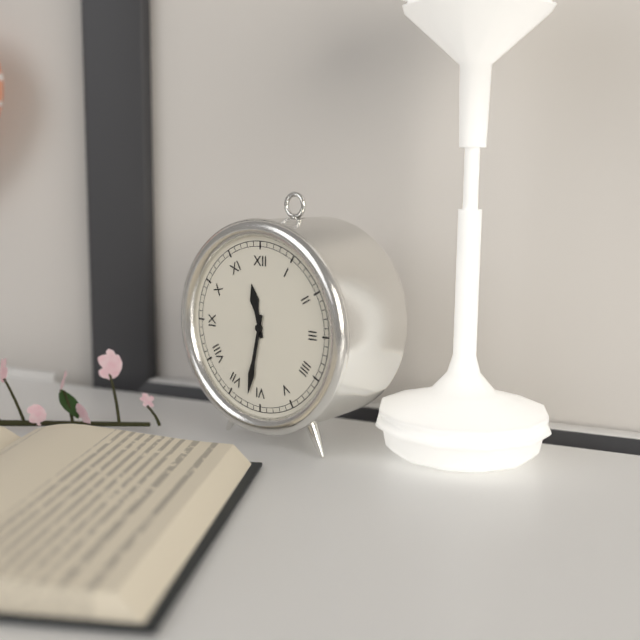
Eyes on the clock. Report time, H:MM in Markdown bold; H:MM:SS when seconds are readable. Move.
**11:32**
